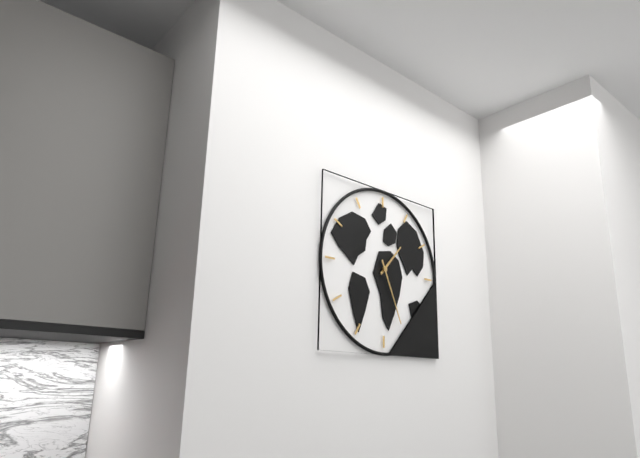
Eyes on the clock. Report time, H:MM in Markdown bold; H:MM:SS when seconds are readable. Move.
**1:26**
